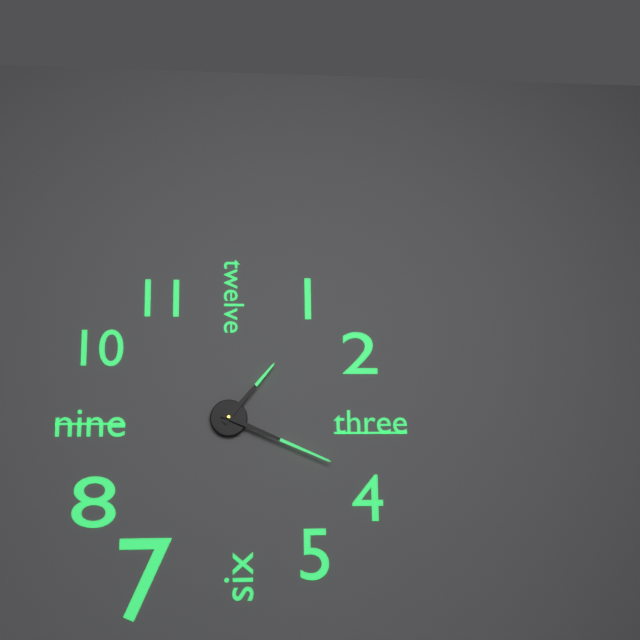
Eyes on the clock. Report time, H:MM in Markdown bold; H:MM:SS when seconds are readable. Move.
**1:19**
